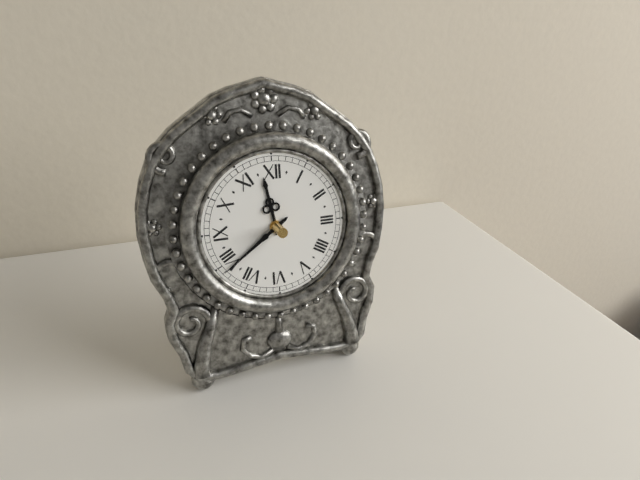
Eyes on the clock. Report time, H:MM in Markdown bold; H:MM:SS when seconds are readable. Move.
**11:39**
